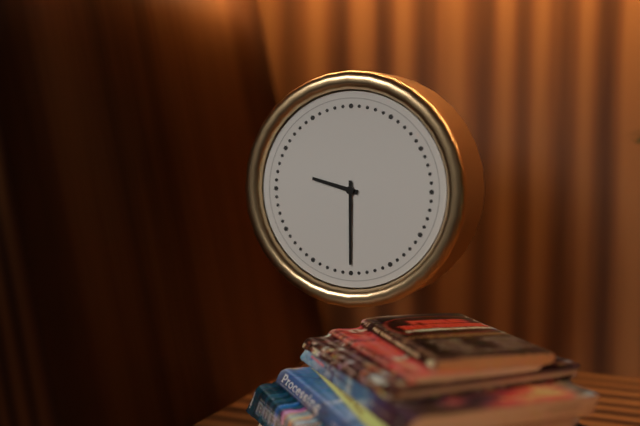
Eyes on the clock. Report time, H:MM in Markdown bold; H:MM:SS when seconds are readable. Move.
**9:30**
